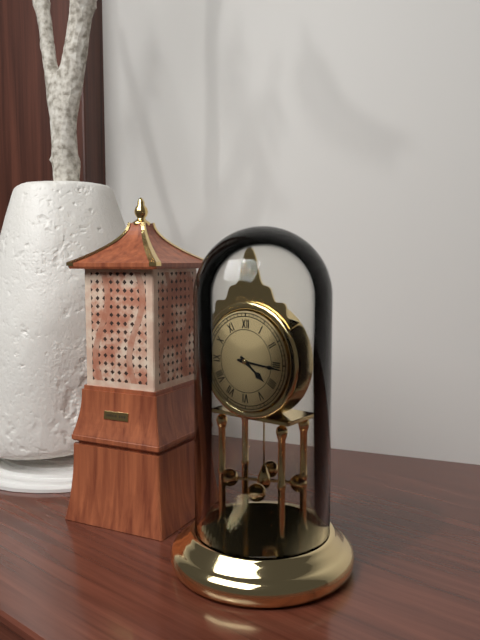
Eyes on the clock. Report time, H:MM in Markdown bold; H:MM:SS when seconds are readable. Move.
**4:16**
